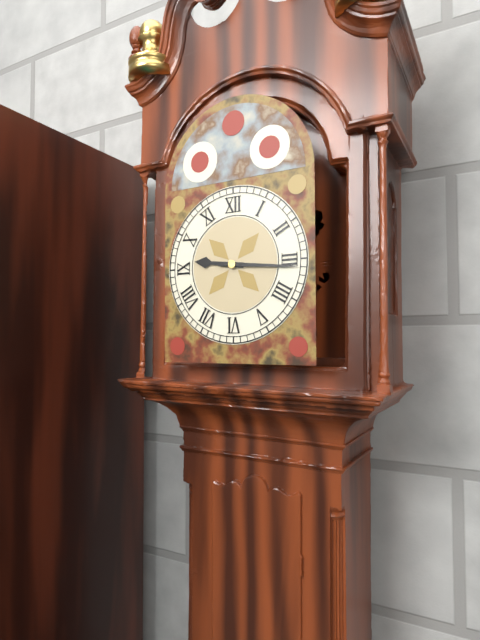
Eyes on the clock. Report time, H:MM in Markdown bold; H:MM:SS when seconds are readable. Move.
**9:16**
